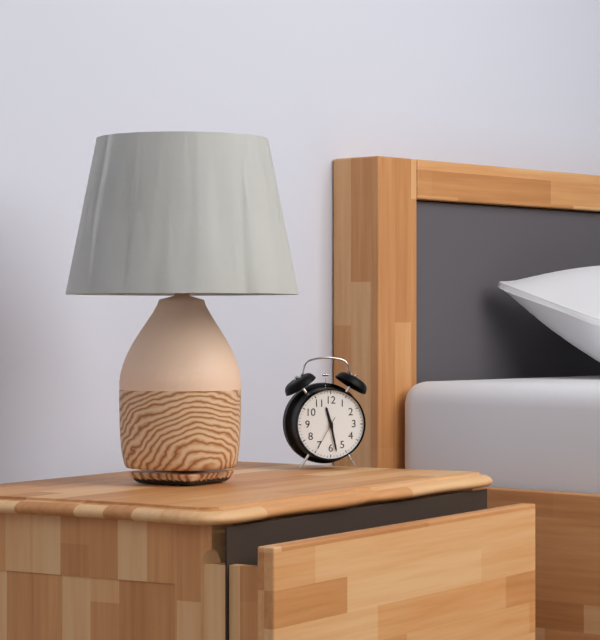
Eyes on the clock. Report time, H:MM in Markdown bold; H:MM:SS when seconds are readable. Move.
**11:28**
